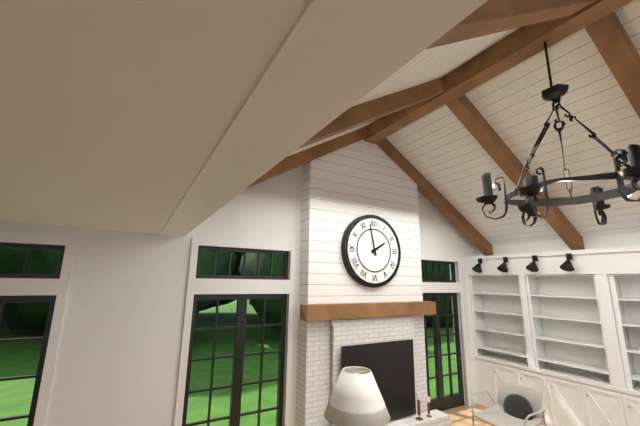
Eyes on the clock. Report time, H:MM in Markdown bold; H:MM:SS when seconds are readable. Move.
**1:58**
